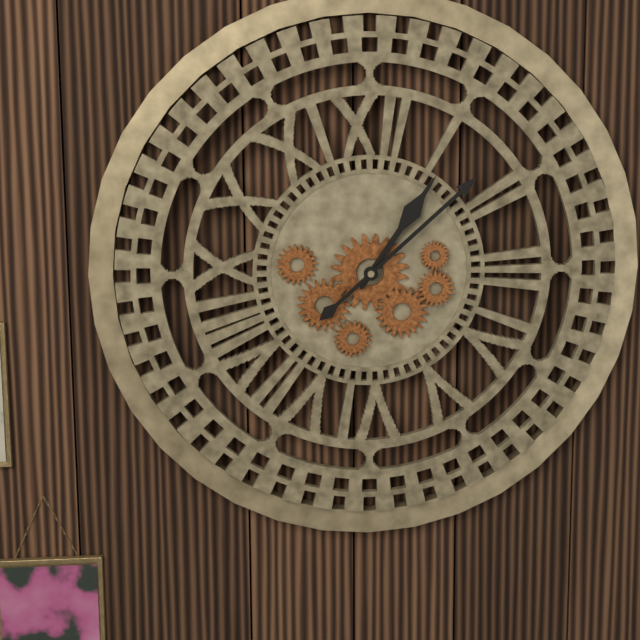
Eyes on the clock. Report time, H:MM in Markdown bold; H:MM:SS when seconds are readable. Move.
**1:08**
